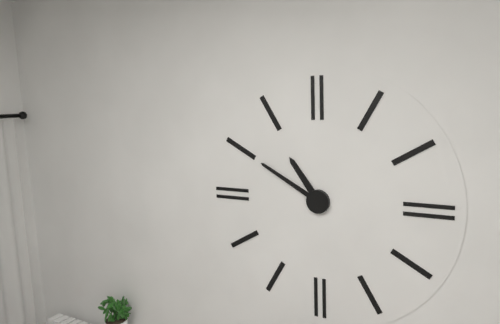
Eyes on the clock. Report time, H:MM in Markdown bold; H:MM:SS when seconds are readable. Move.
**10:50**
